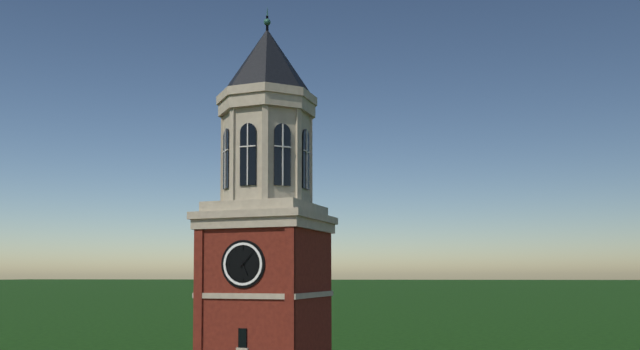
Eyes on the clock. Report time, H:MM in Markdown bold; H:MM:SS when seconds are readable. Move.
**5:07**
